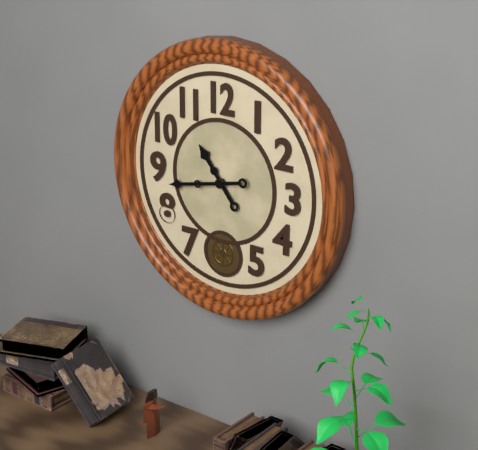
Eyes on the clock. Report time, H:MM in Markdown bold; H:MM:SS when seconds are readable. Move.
**10:43**
